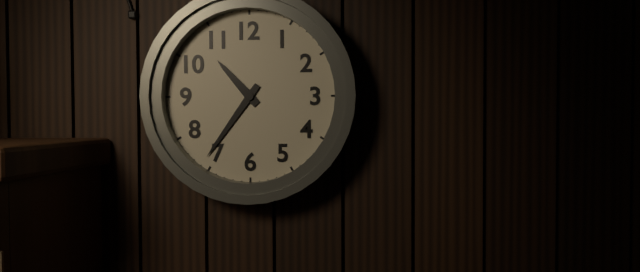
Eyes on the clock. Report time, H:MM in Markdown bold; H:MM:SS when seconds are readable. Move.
**10:36**
